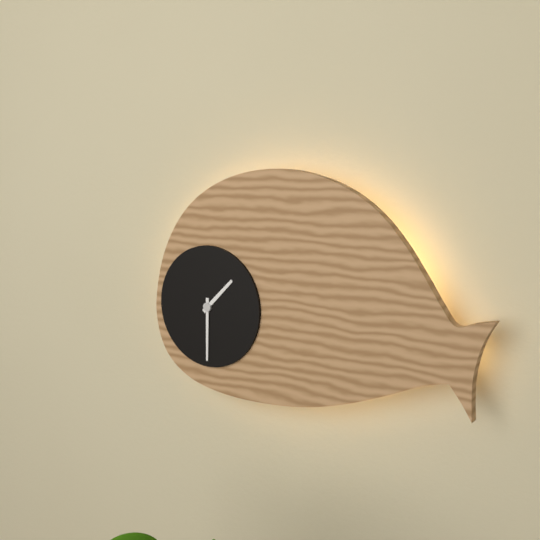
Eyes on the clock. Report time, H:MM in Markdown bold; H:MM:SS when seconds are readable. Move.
**1:30**
